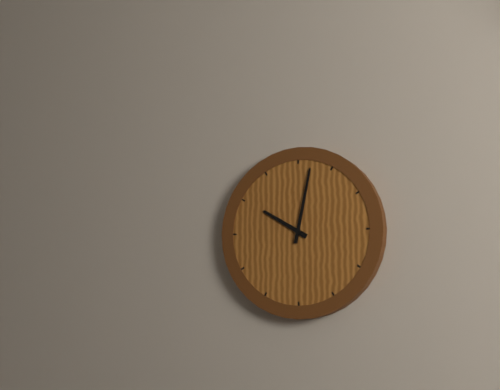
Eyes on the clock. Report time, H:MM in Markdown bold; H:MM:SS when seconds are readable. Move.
**10:02**
